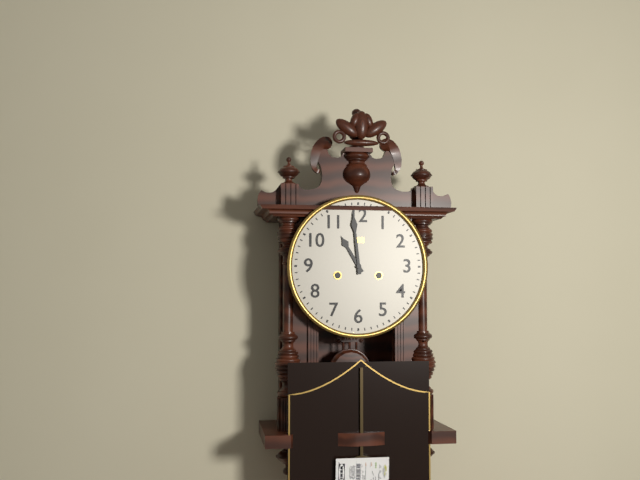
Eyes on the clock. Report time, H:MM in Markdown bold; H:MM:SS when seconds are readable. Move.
**10:59**
